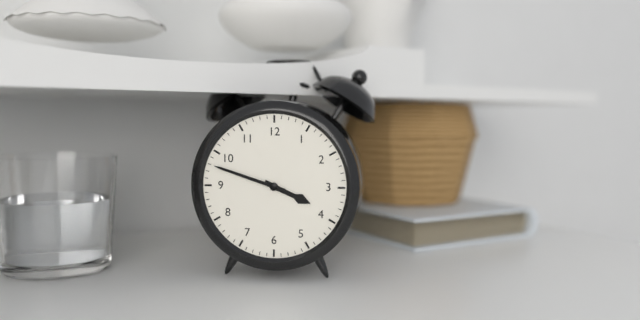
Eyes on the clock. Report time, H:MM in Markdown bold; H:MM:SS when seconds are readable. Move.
**3:48**
